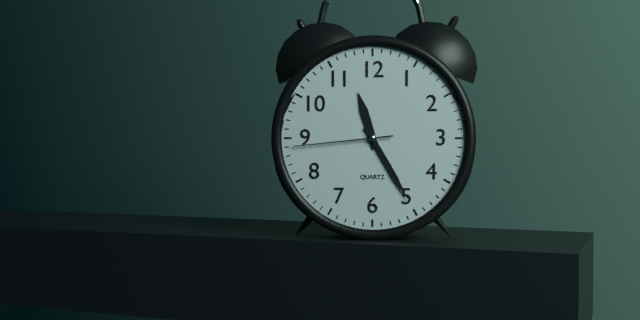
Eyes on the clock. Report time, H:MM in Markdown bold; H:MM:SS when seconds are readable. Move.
**11:25:44**
